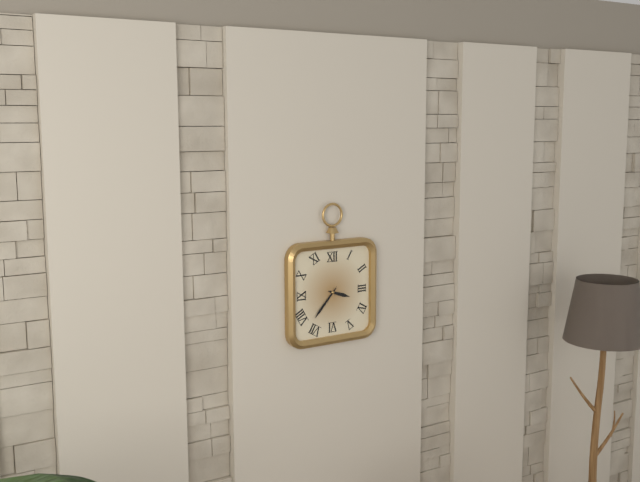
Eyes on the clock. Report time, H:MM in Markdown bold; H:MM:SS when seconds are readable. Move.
**3:37**
